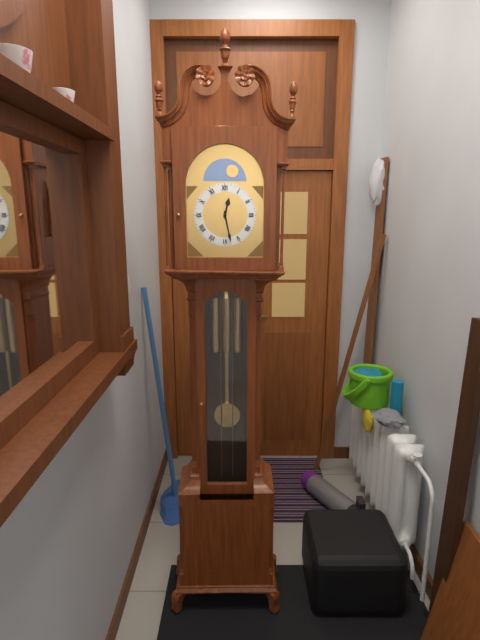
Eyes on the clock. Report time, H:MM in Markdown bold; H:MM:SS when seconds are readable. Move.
**12:28**
